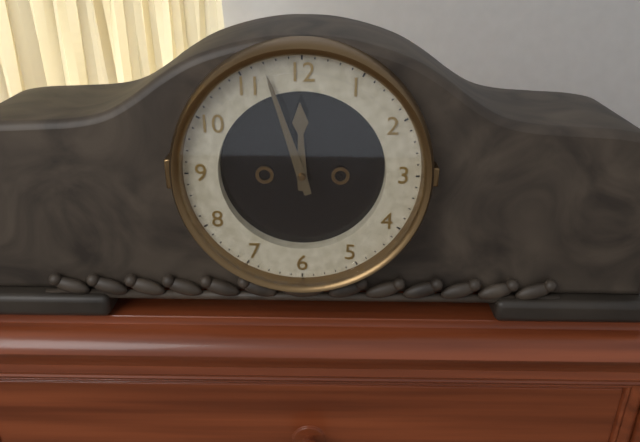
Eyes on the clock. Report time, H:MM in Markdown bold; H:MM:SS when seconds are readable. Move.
**11:57**
